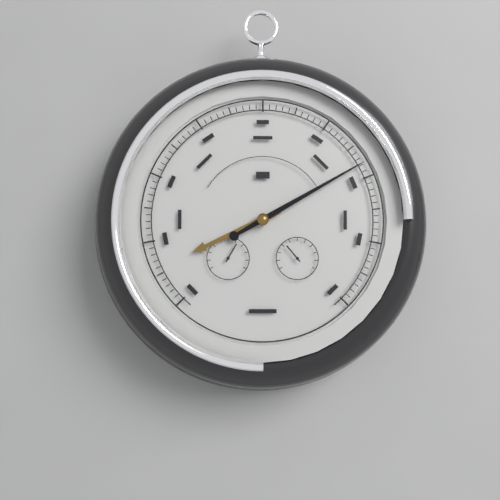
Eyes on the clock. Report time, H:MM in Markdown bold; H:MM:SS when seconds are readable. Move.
**8:10**
